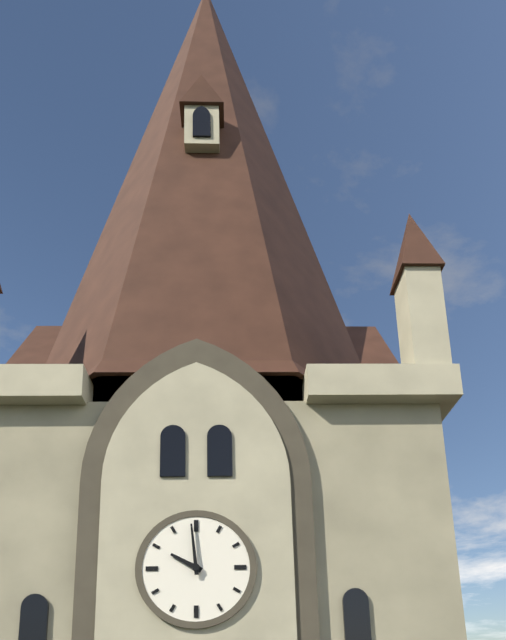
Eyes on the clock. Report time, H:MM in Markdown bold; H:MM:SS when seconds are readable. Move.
**9:59**
